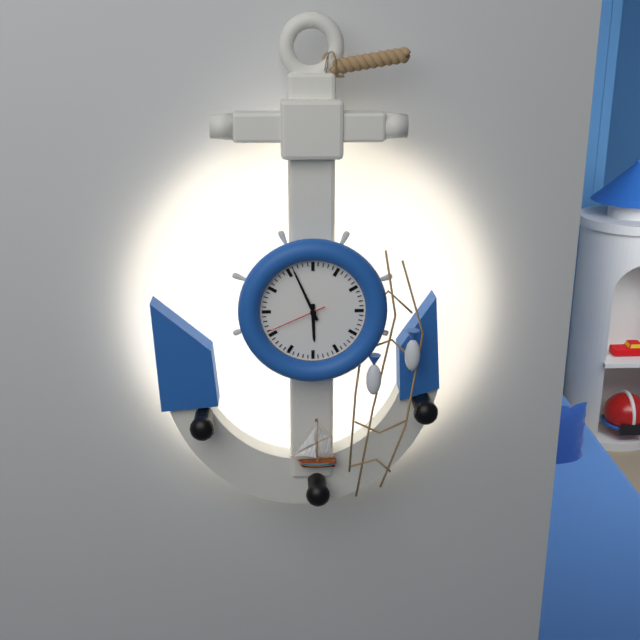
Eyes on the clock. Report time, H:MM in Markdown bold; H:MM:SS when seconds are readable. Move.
**5:56:41**
